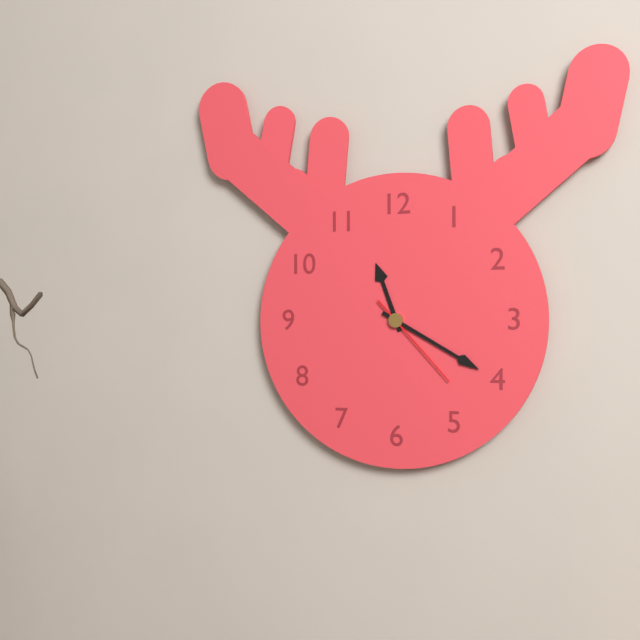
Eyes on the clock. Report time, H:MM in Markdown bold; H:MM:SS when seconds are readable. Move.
**11:20:23**
